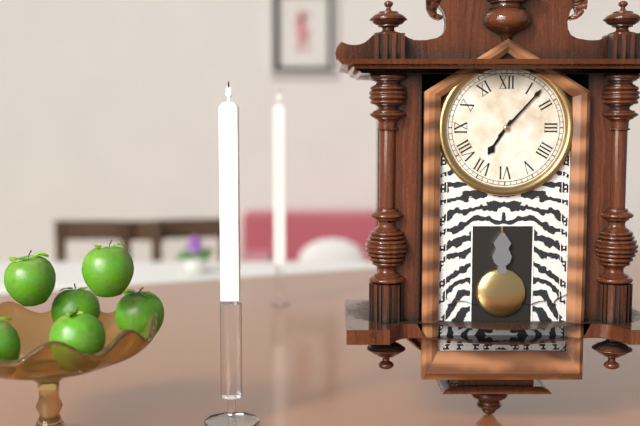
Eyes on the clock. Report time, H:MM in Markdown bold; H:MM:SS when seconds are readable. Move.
**7:07**
